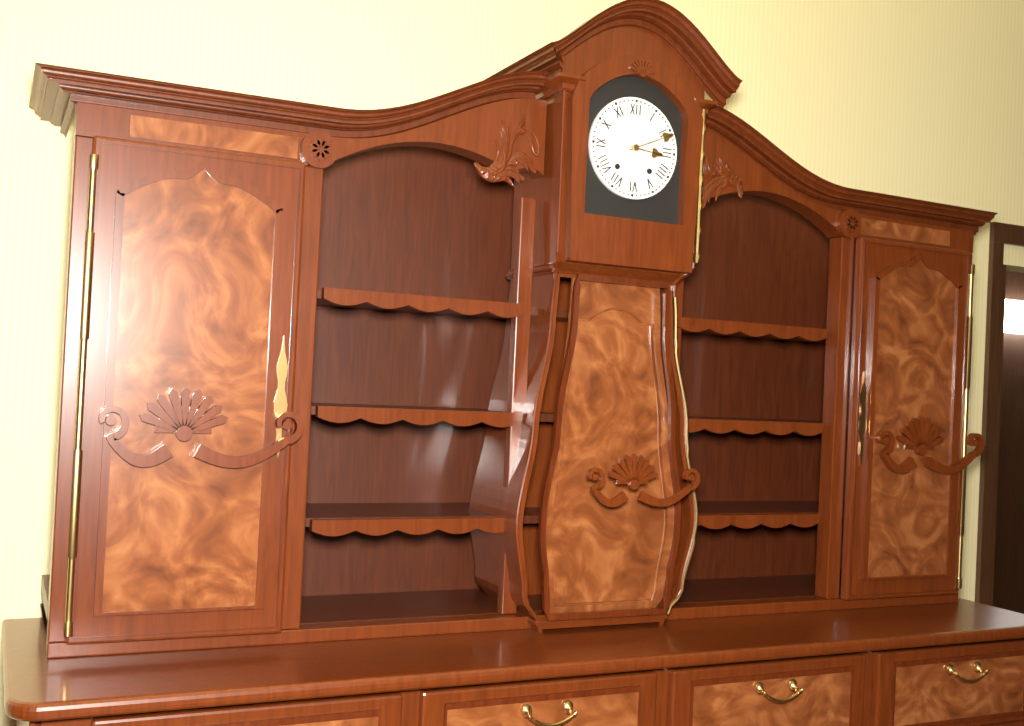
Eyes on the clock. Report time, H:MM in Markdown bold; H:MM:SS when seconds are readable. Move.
**3:11**
